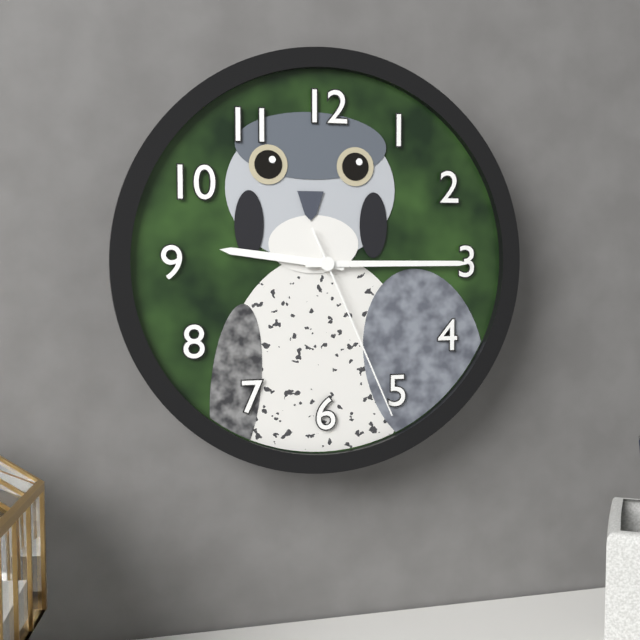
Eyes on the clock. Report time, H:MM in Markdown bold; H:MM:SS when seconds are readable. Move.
**9:15:26**
